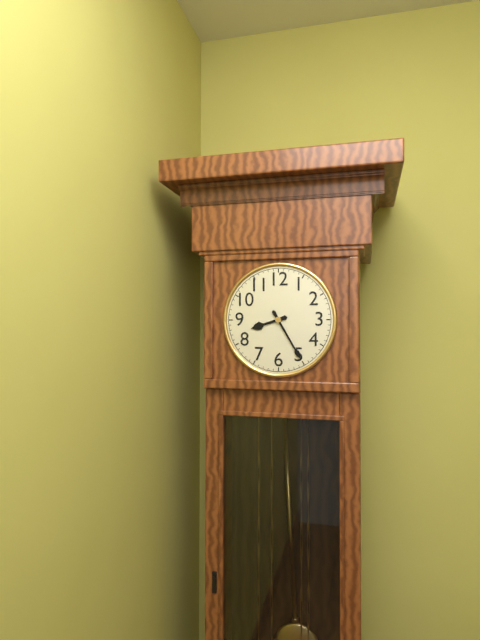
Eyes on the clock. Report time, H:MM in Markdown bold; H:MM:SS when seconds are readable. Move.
**8:25**
